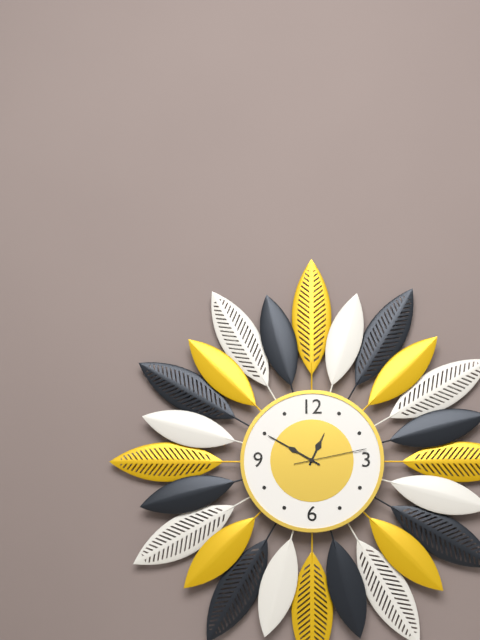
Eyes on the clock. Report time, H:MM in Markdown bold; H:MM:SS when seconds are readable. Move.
**12:50:13**
